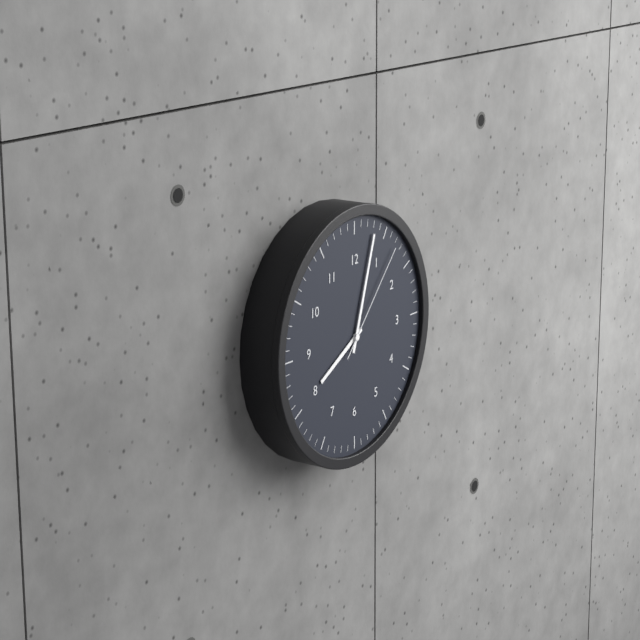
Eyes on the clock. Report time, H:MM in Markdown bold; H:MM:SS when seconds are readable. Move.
**8:03:07**
